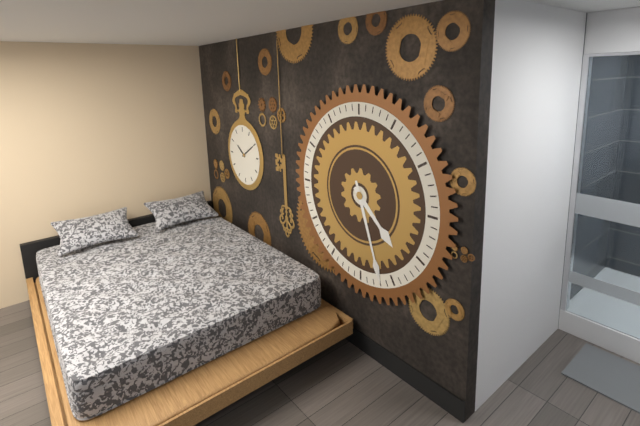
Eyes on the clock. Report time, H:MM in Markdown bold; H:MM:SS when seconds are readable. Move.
**4:27**
